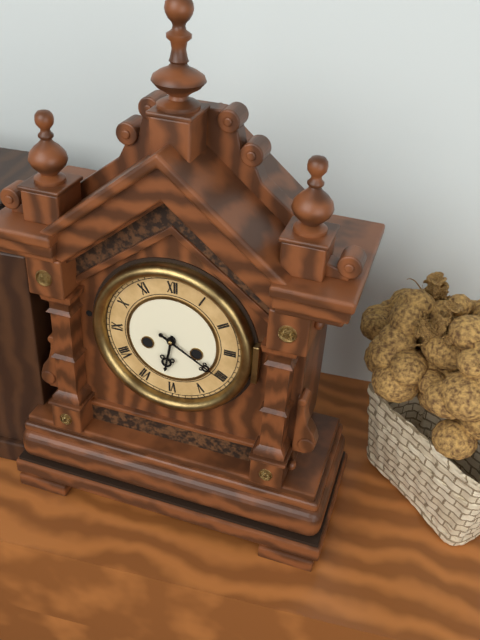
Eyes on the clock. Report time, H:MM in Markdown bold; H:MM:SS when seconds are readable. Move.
**6:20**
